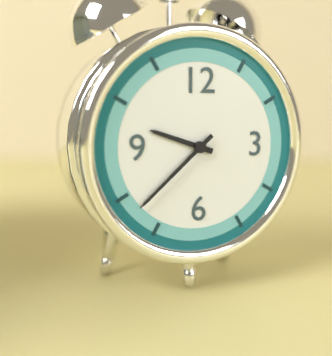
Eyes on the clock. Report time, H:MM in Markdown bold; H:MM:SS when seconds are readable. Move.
**9:38**
